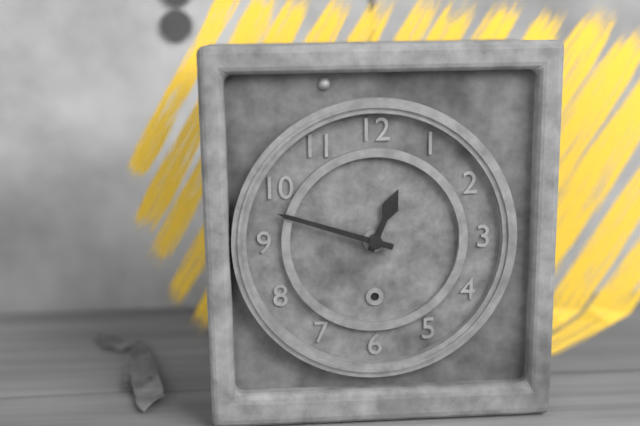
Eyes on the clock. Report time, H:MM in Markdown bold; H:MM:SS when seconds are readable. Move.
**12:48**
